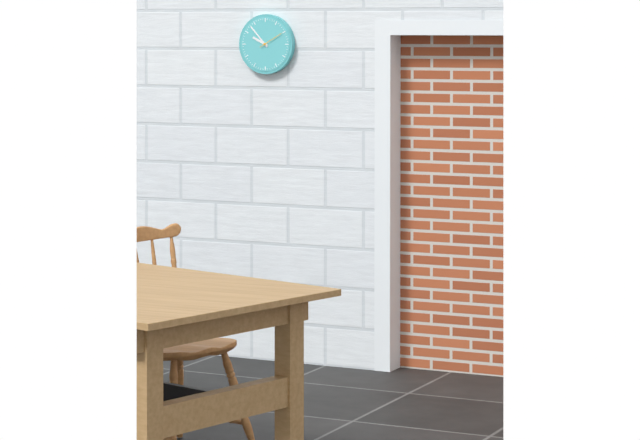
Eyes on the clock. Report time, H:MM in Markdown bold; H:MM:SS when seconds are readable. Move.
**9:53**
